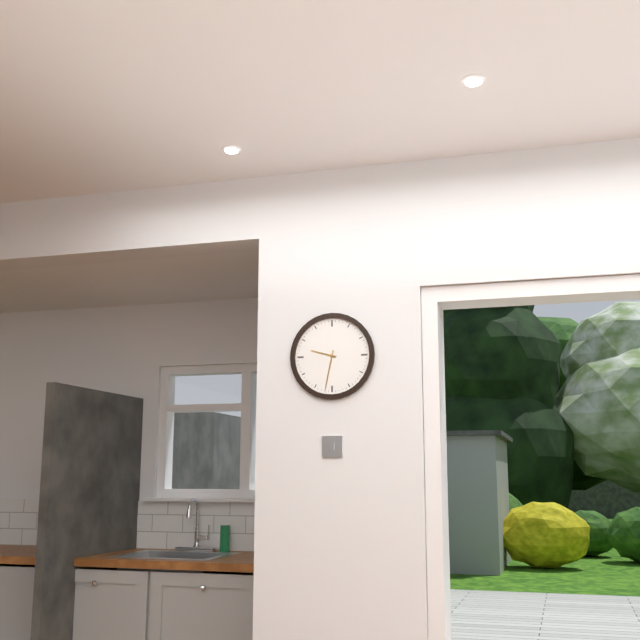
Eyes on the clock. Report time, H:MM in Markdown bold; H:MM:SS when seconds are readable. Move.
**9:32**
